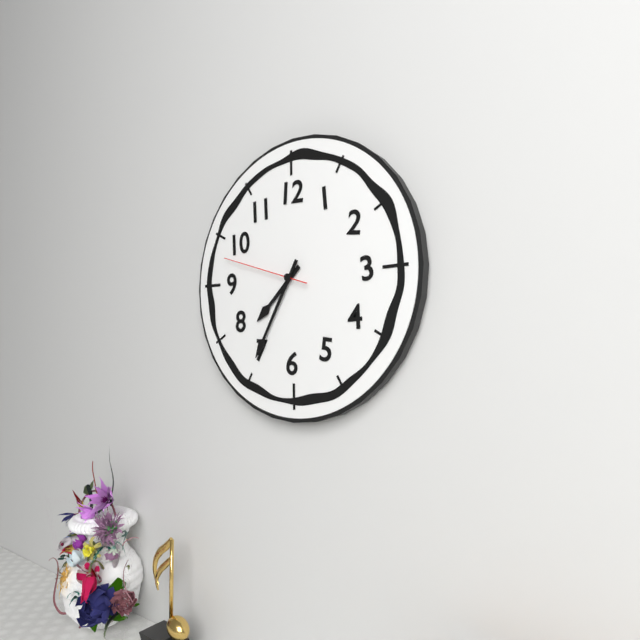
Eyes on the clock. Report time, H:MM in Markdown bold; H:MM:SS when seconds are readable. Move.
**7:35:48**
